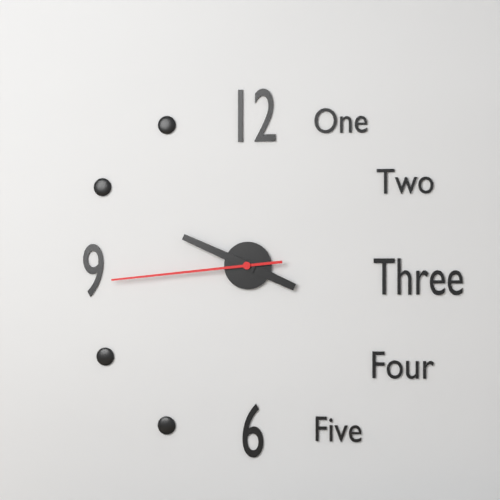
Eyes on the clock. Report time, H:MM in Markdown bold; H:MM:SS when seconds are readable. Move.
**3:49:44**
